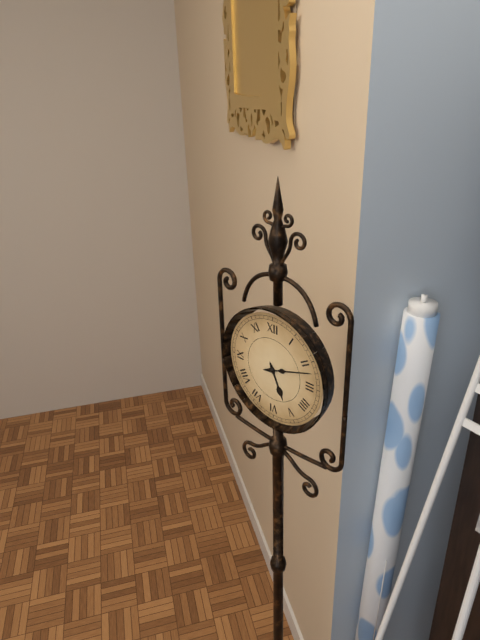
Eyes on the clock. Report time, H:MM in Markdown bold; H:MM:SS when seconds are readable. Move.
**5:12**
